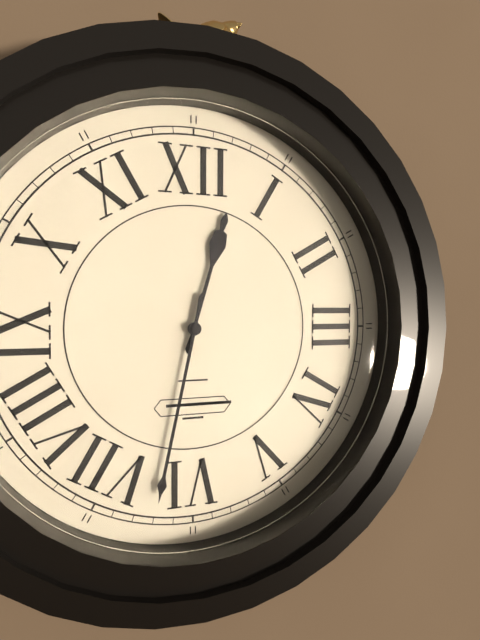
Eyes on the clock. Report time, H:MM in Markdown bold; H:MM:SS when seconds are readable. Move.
**12:32**
